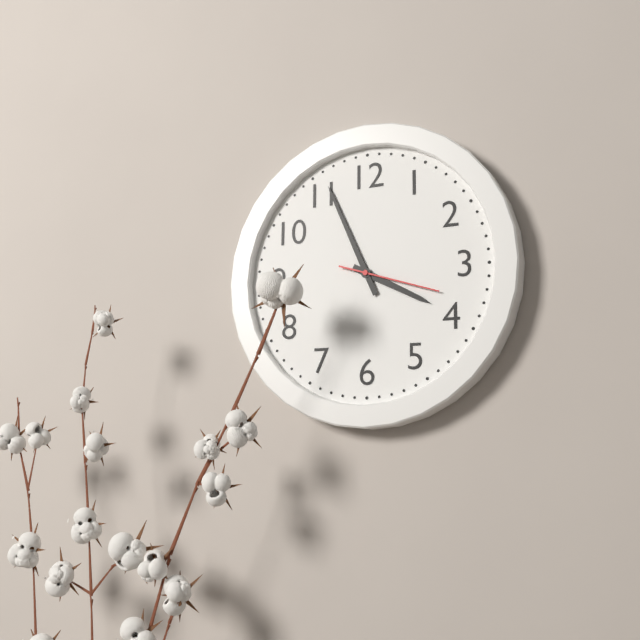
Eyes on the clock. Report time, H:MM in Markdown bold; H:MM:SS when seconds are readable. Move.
**3:56:18**
